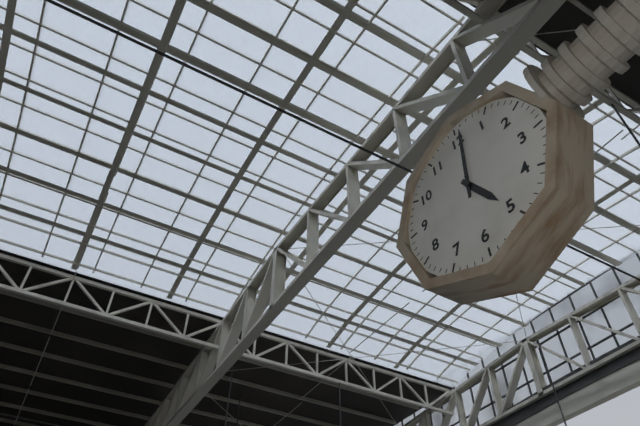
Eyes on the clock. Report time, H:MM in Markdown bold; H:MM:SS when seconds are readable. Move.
**5:01**
